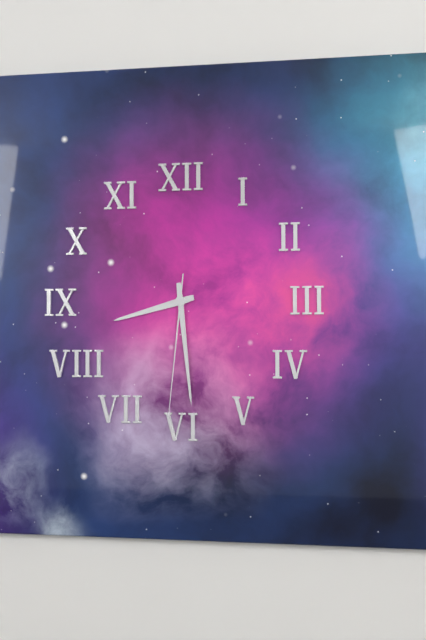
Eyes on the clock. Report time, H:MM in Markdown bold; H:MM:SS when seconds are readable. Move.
**8:29:31**
